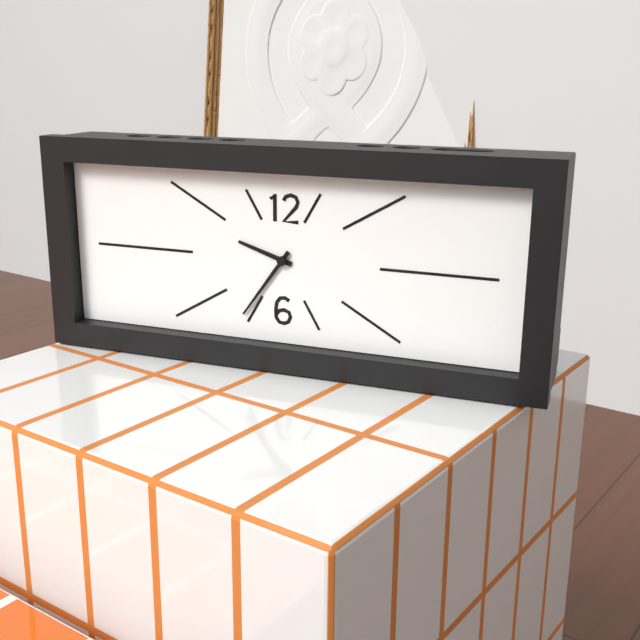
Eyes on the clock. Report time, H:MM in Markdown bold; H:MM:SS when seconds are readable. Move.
**9:36**
